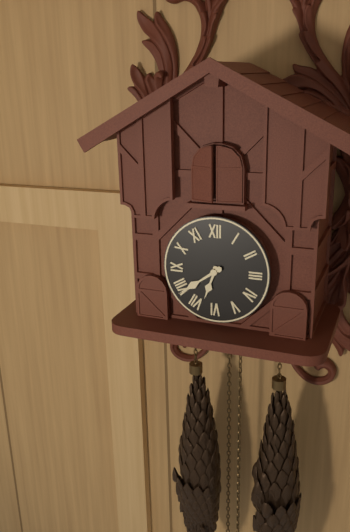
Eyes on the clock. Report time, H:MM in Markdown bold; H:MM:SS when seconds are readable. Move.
**6:39**
